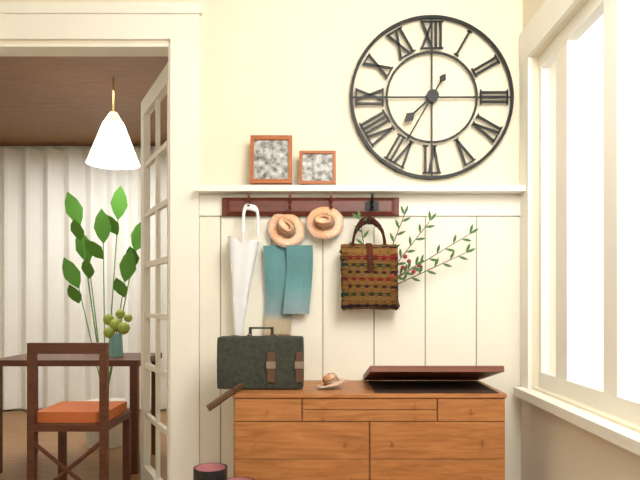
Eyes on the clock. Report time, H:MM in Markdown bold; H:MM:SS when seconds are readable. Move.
**7:35**
